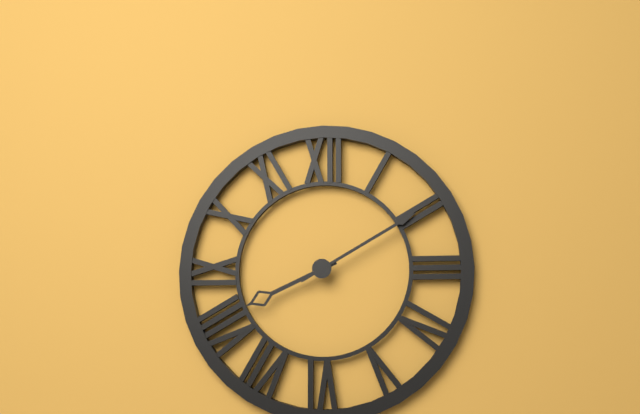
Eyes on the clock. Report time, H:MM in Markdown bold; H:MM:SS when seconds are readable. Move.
**8:10**
